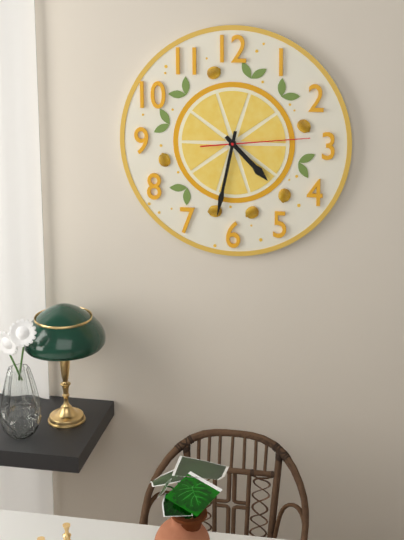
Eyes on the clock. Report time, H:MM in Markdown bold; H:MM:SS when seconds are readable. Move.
**4:32:14**
